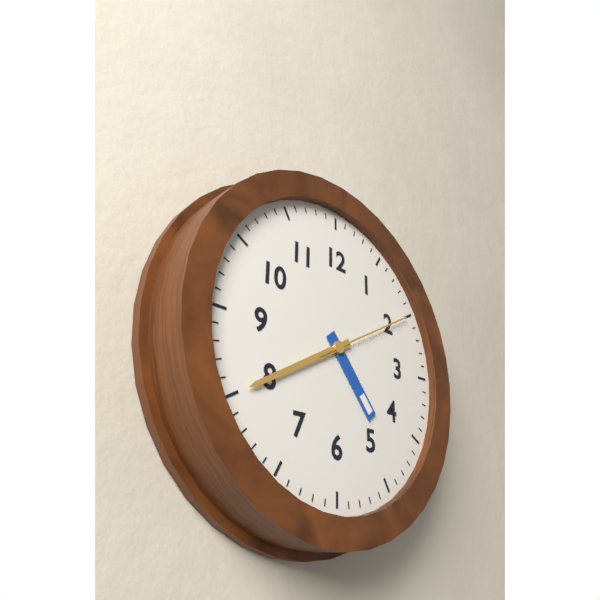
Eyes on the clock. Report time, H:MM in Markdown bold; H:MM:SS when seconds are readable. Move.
**4:40:10**
